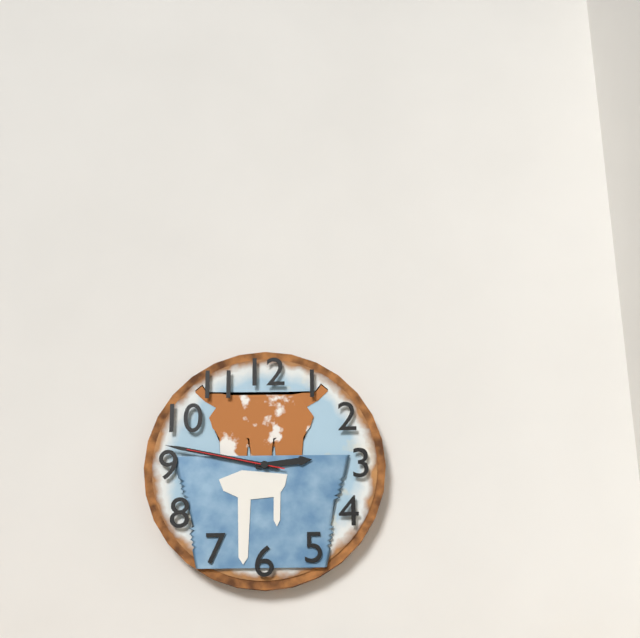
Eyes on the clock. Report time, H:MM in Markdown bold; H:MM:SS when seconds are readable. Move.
**2:47:47**
